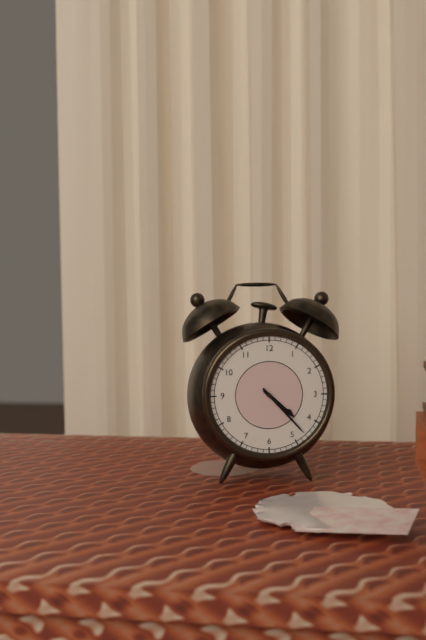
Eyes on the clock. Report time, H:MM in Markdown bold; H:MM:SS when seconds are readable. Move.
**4:23**
